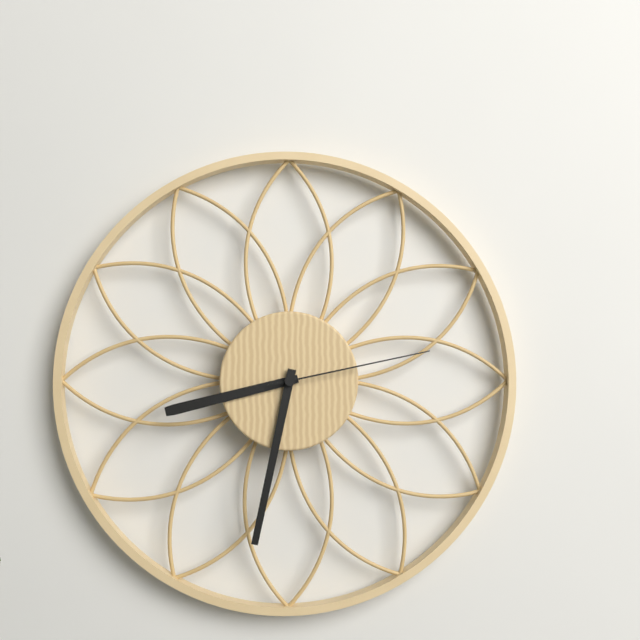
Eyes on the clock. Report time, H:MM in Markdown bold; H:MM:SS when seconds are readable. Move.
**8:32:13**
